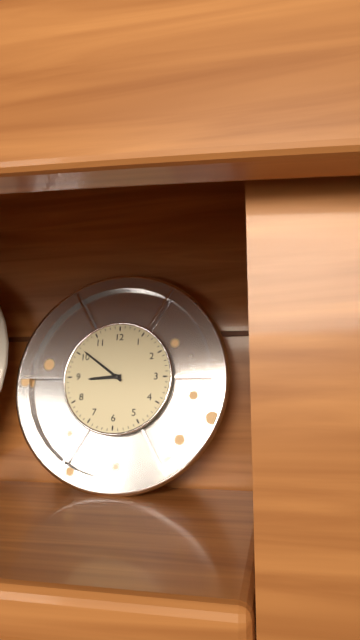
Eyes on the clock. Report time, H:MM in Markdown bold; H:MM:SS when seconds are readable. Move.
**8:51**
